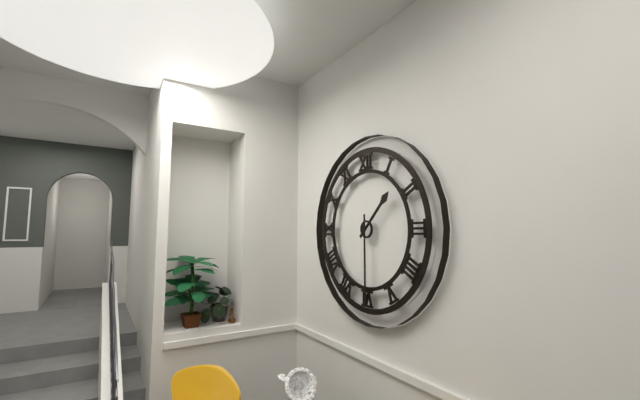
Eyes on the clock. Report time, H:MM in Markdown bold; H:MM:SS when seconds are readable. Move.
**1:30**
